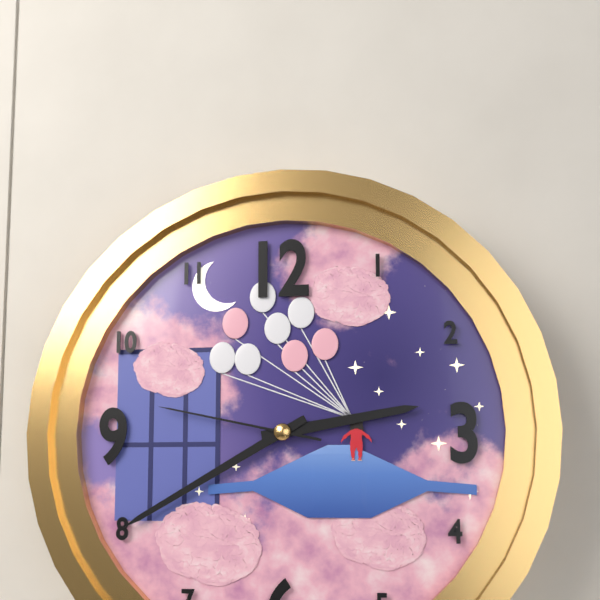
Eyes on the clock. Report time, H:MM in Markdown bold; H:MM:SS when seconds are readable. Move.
**2:40:47**
